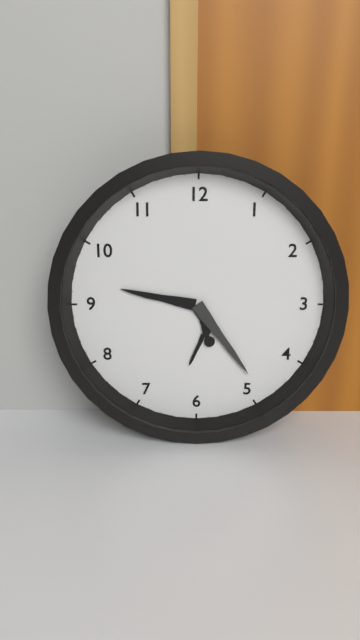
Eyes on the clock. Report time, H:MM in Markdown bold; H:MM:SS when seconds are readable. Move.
**9:24**
